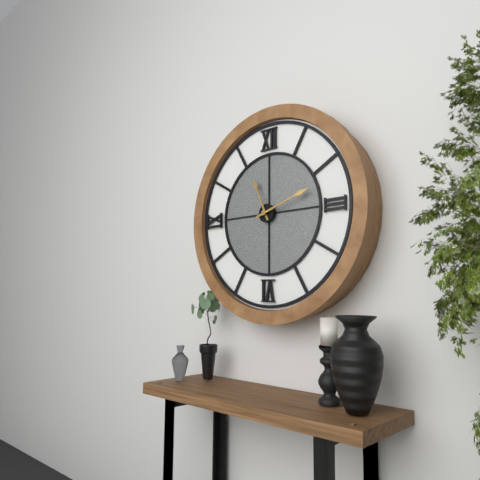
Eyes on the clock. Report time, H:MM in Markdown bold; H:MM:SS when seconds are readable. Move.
**11:12**
